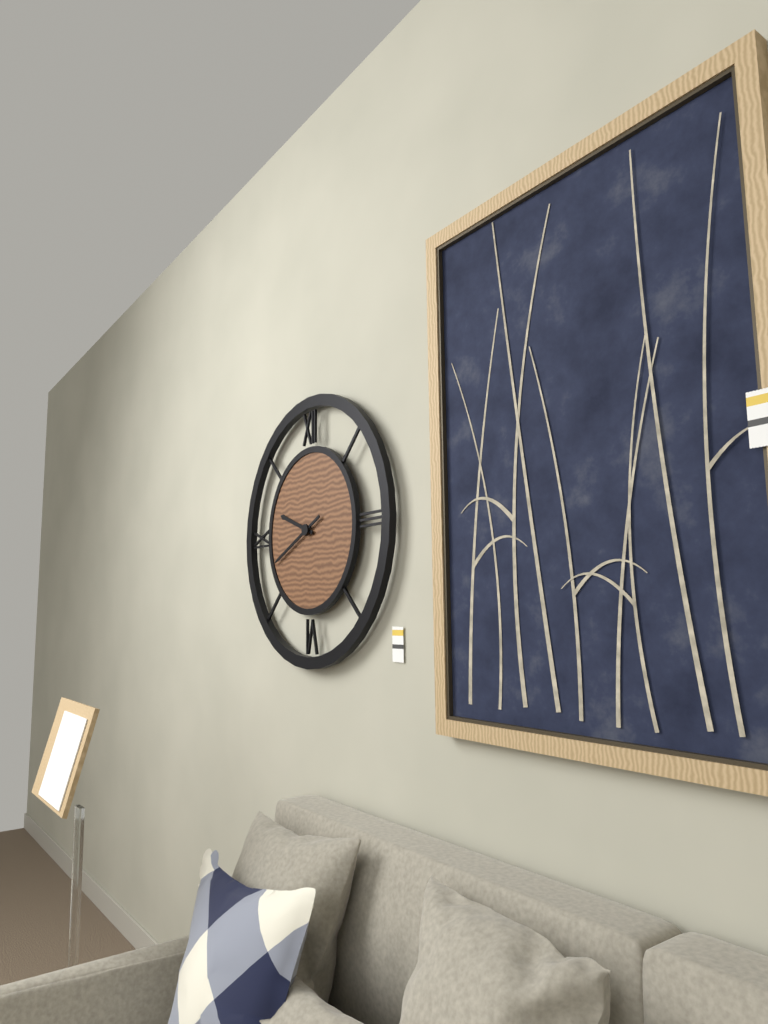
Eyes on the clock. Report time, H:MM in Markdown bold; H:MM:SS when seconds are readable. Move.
**9:41**
